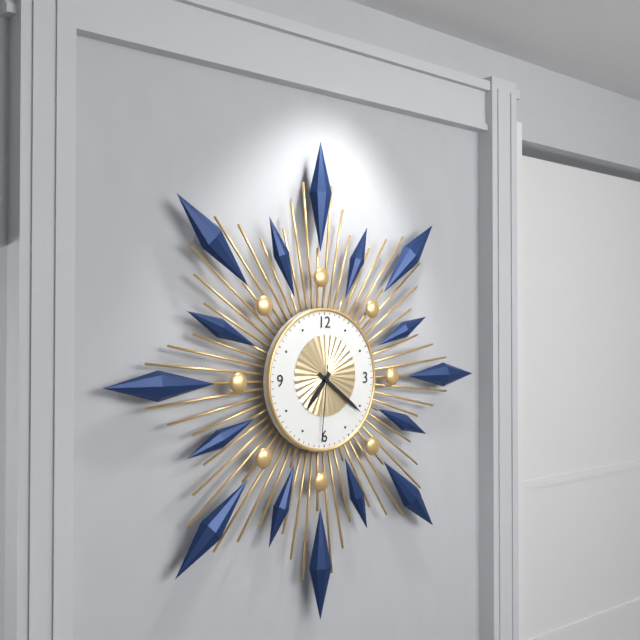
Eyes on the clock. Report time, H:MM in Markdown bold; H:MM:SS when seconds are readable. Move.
**7:21:31**
